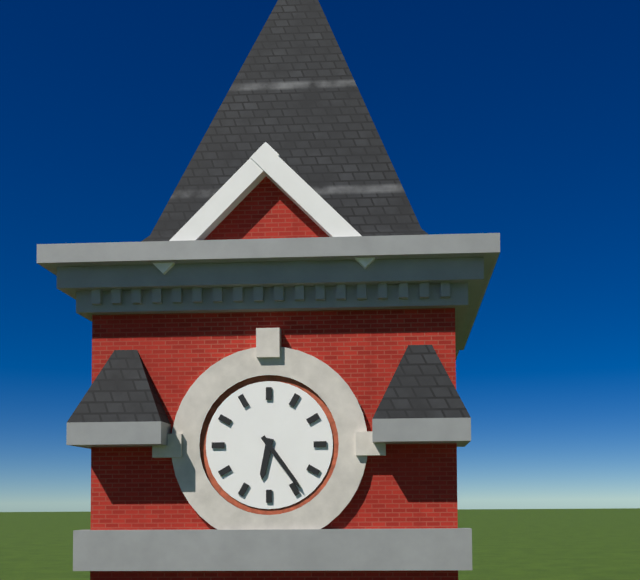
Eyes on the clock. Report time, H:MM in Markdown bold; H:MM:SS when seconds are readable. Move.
**6:24**
